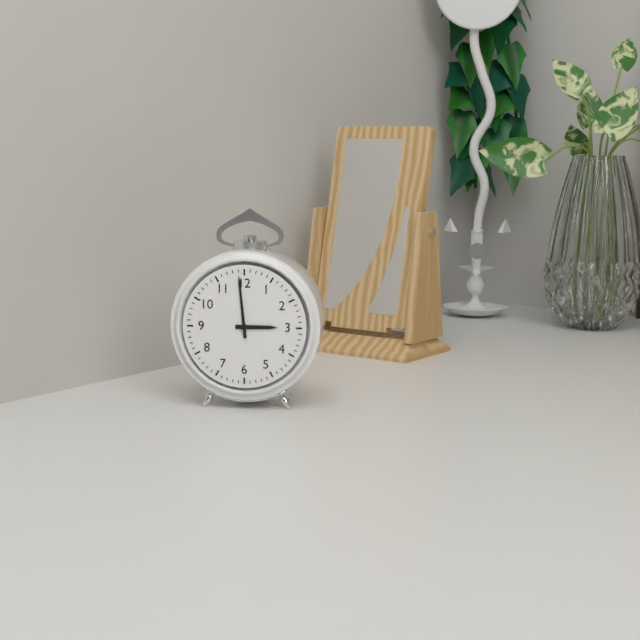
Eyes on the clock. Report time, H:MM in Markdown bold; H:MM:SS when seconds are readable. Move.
**2:59**
